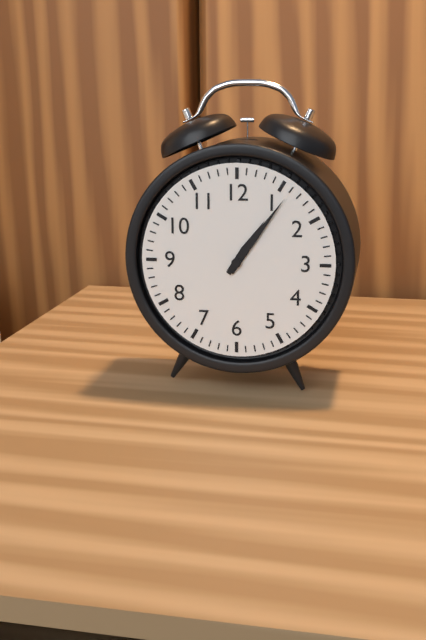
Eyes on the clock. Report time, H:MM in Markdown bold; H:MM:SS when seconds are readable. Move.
**1:06**
